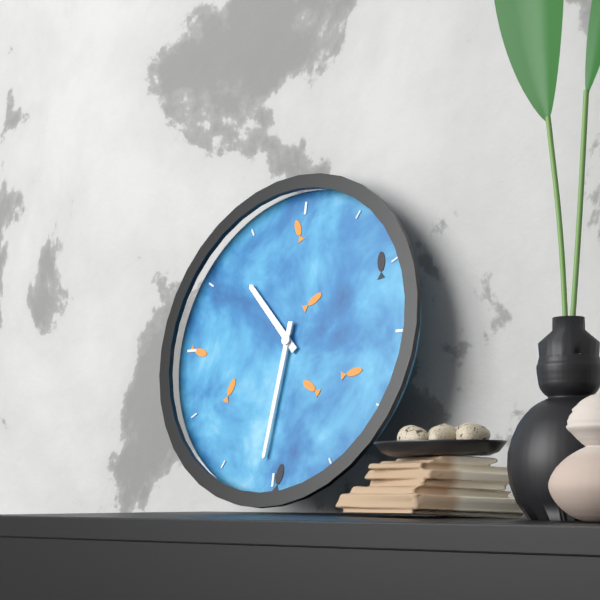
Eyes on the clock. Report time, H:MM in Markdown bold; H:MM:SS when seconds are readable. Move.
**10:31**
